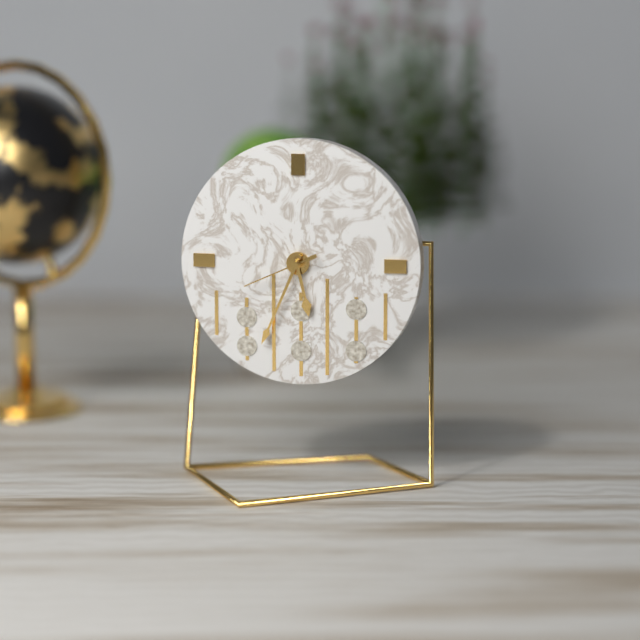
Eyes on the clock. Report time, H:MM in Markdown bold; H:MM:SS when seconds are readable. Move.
**5:34:41**
